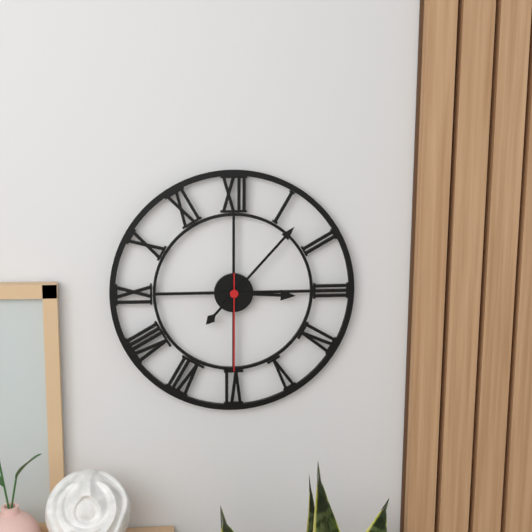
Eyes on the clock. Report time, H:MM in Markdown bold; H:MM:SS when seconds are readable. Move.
**3:07:30**
